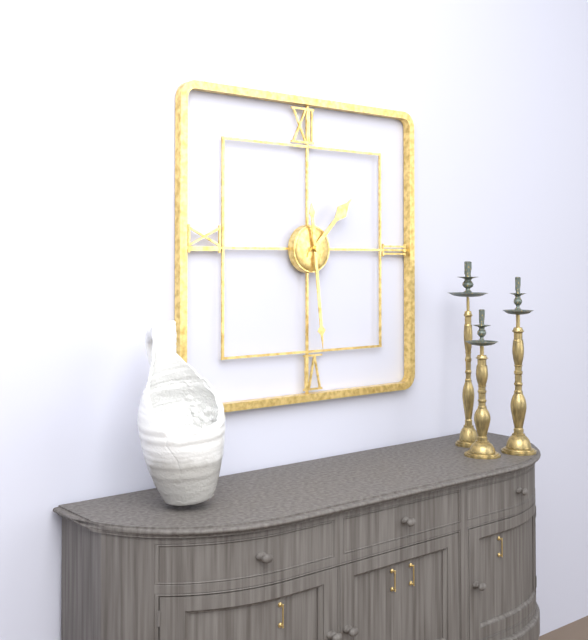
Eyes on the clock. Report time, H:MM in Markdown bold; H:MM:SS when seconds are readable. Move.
**1:29**
